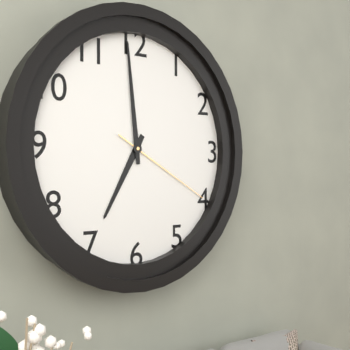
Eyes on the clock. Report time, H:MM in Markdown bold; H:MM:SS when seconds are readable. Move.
**6:59:20**
